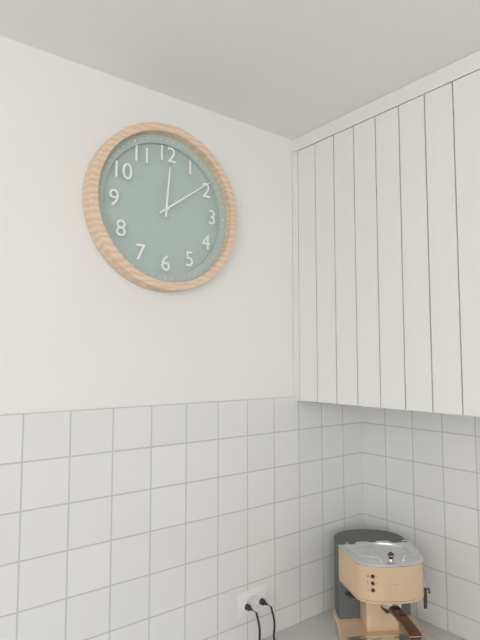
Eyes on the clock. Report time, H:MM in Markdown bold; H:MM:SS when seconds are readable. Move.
**12:09**
